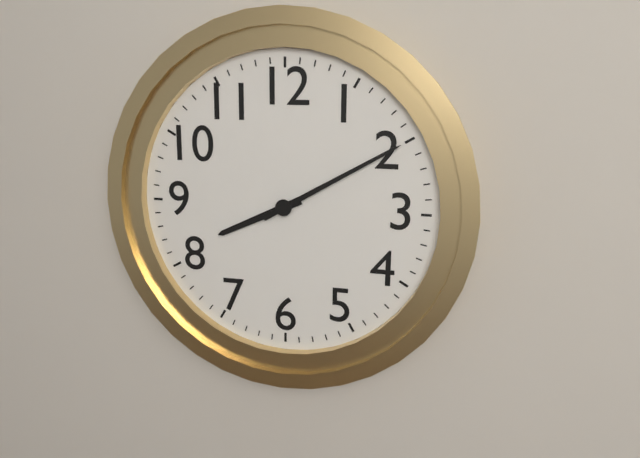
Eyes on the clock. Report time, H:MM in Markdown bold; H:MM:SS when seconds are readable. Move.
**8:10**
